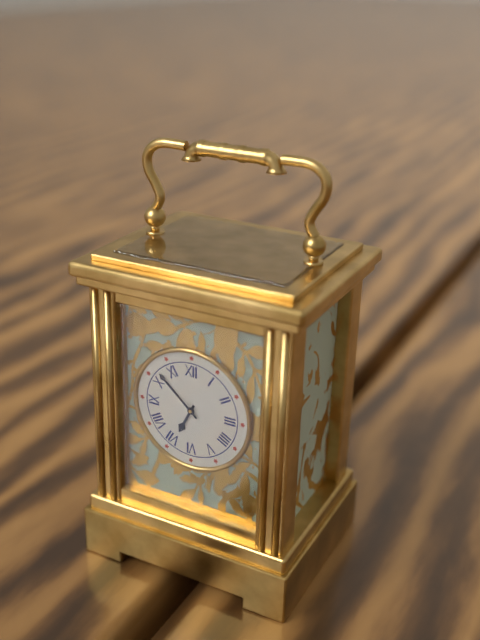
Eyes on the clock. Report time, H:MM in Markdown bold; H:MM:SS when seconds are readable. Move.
**6:52**
